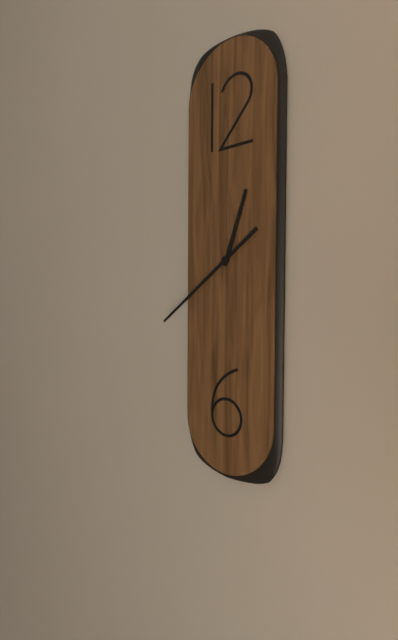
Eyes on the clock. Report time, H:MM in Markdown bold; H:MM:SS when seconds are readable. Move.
**12:39**
